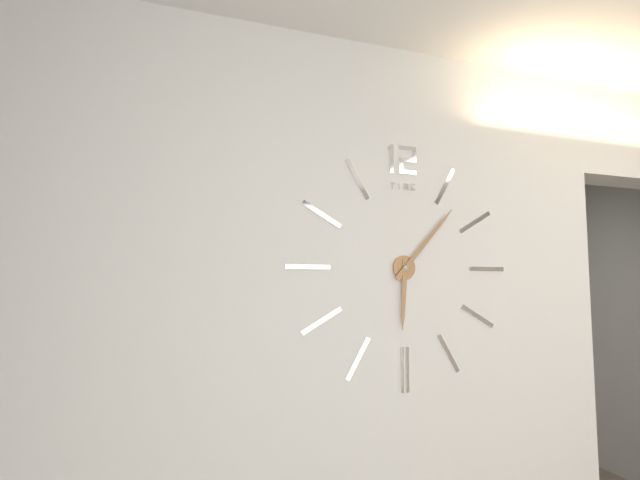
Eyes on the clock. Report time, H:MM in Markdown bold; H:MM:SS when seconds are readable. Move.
**6:07**
